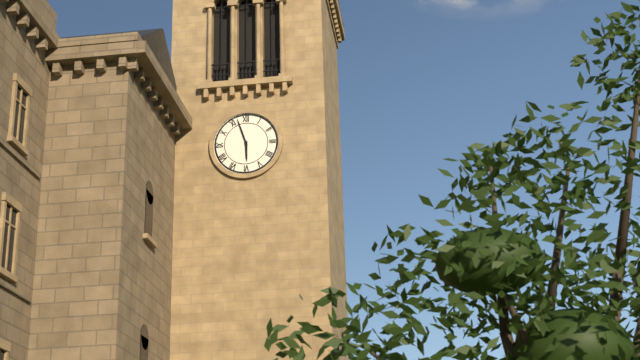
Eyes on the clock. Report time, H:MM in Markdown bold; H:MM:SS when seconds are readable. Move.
**5:57**
